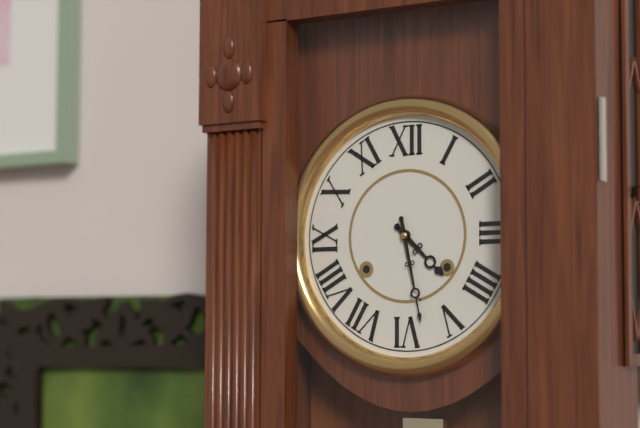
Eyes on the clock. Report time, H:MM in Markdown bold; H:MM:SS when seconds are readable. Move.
**4:28**
